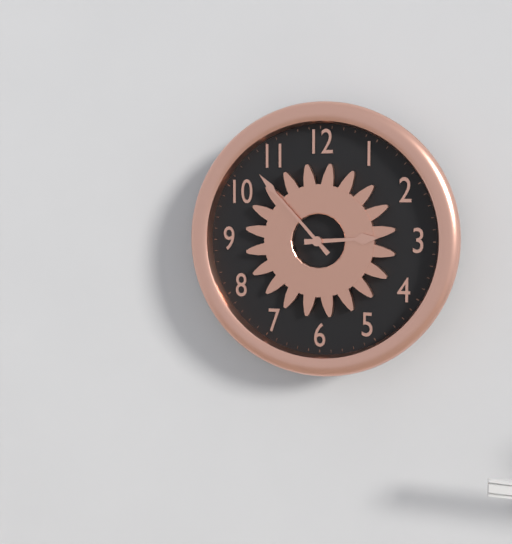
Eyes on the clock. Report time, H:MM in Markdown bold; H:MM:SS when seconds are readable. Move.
**2:53**
